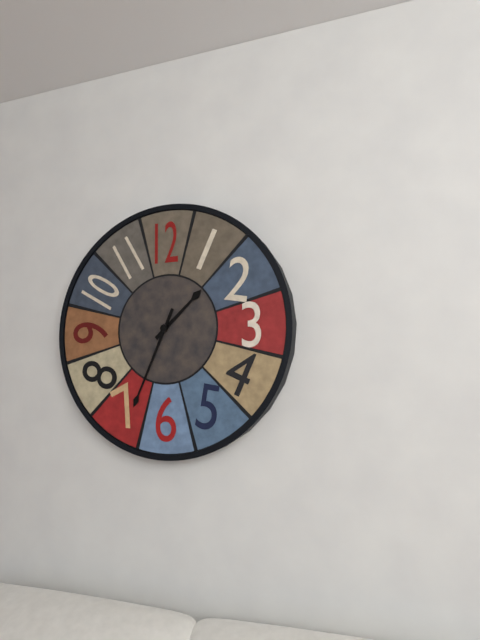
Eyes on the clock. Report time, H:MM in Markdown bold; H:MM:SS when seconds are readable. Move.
**1:34**
